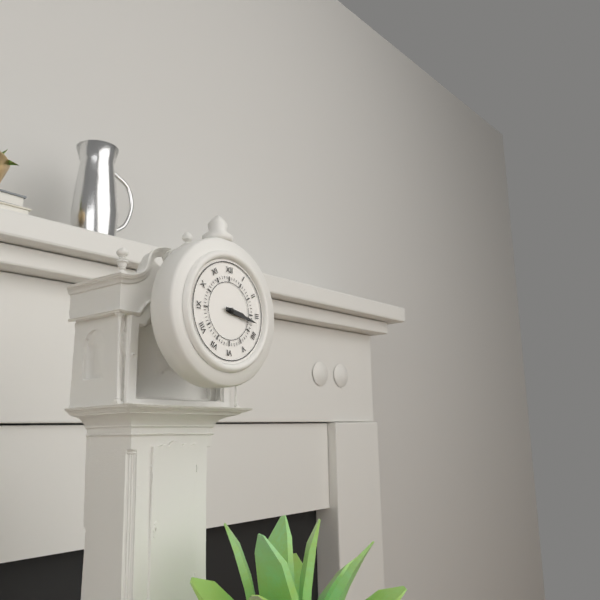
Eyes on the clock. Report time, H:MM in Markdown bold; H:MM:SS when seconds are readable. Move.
**3:17**
